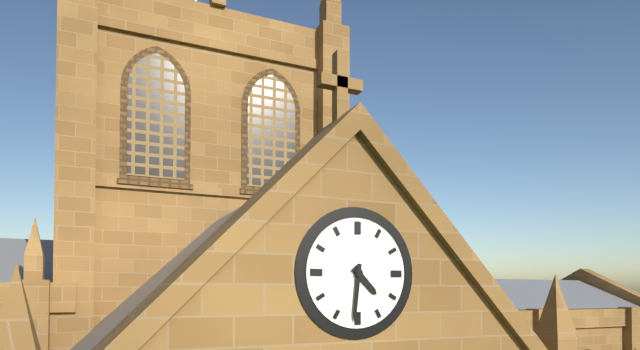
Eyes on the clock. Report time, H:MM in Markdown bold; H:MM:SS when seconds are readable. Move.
**4:31**
